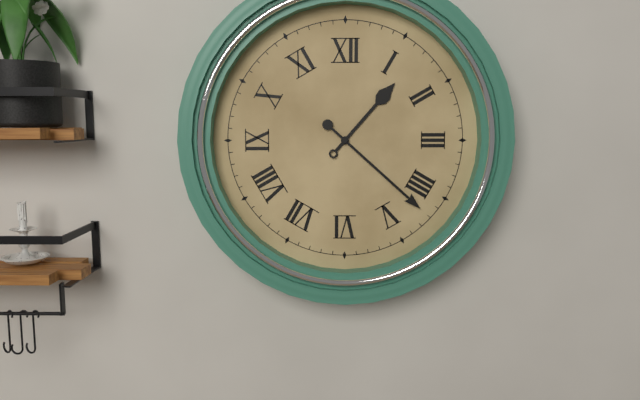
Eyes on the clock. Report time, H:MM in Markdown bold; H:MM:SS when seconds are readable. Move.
**1:22**
